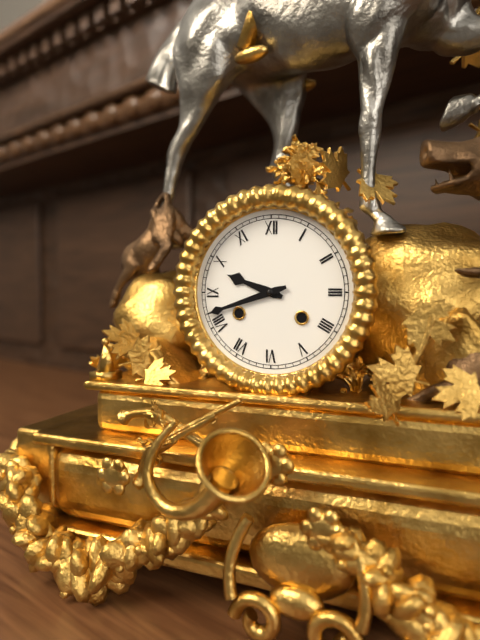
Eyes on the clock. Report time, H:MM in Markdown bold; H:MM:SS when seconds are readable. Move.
**9:42**
